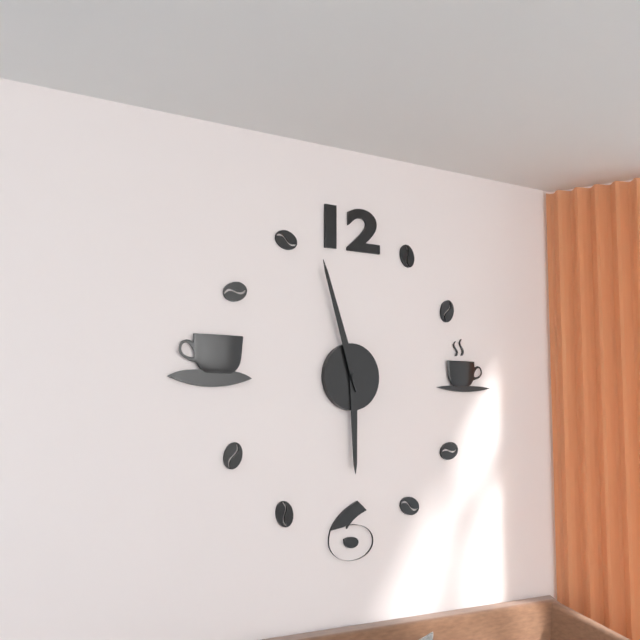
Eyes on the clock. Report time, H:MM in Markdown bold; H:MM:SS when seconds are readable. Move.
**5:57**
